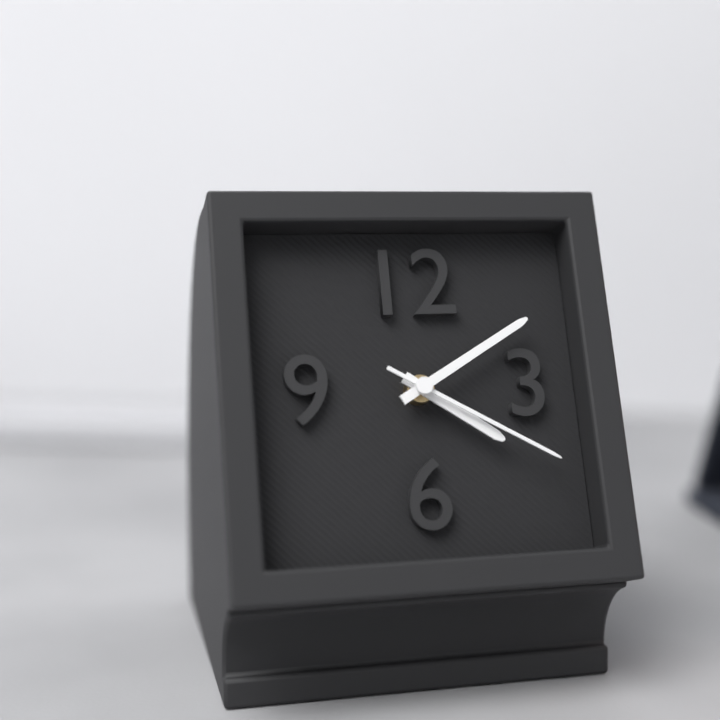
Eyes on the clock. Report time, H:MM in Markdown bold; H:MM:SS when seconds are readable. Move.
**4:10:20**
